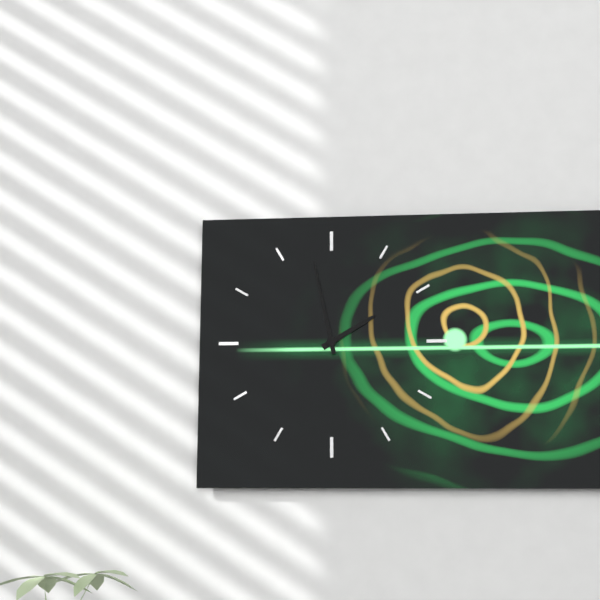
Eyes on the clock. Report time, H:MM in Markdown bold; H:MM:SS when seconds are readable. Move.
**1:58**
